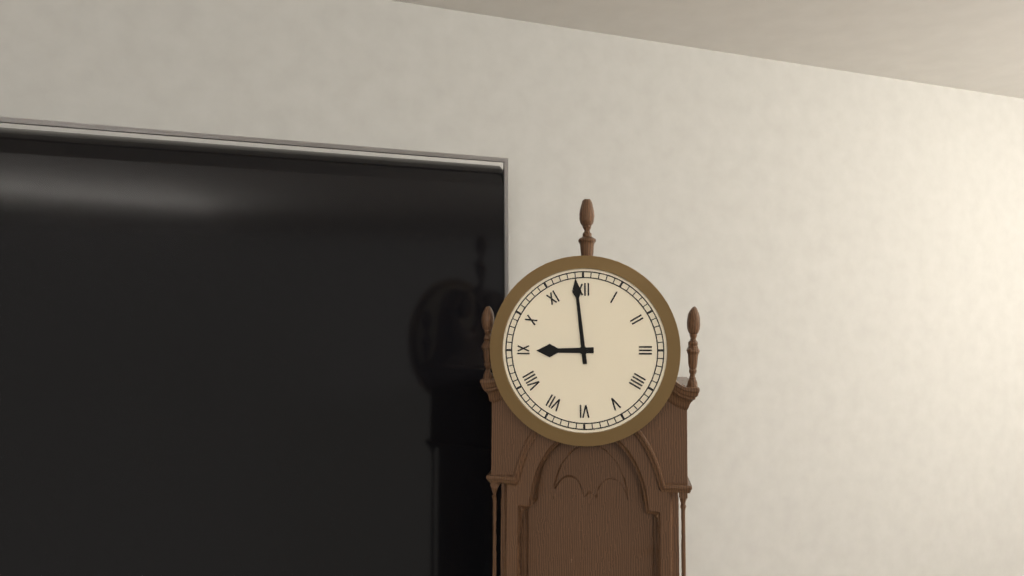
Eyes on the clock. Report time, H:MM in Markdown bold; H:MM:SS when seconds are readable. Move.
**8:59**
